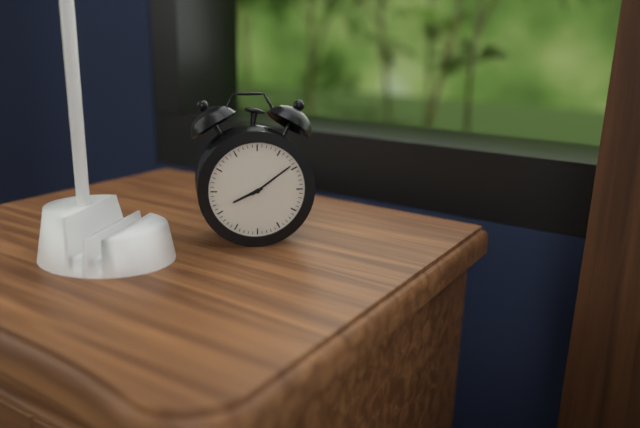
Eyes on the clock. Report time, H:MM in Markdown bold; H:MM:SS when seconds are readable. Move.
**8:09**
